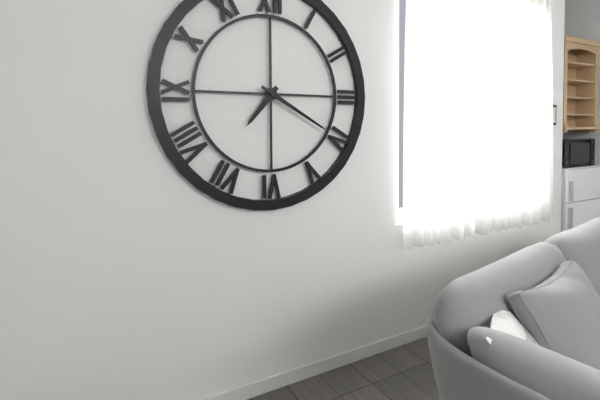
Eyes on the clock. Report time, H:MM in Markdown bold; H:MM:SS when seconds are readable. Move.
**7:20**
